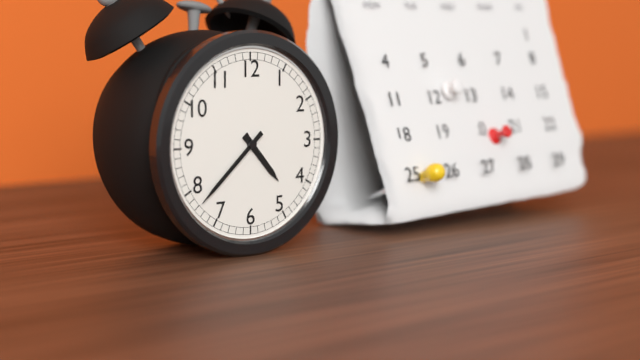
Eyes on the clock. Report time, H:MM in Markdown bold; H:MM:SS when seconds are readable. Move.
**4:38**
